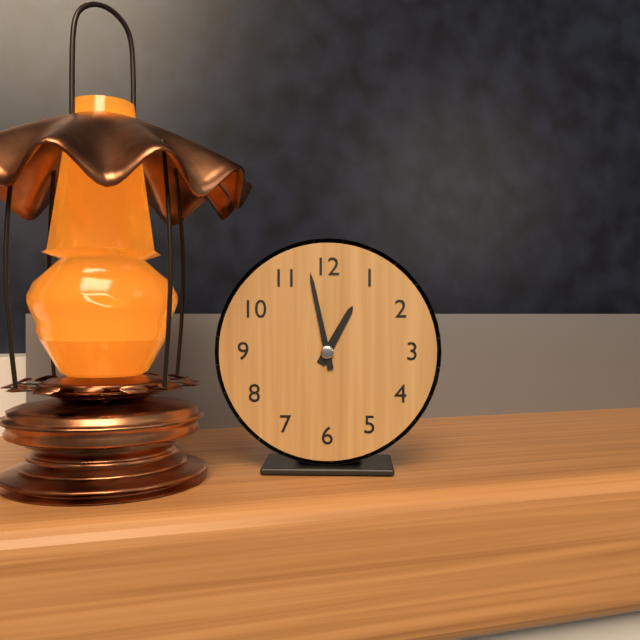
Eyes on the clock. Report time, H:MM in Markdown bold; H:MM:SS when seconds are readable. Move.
**12:58**
